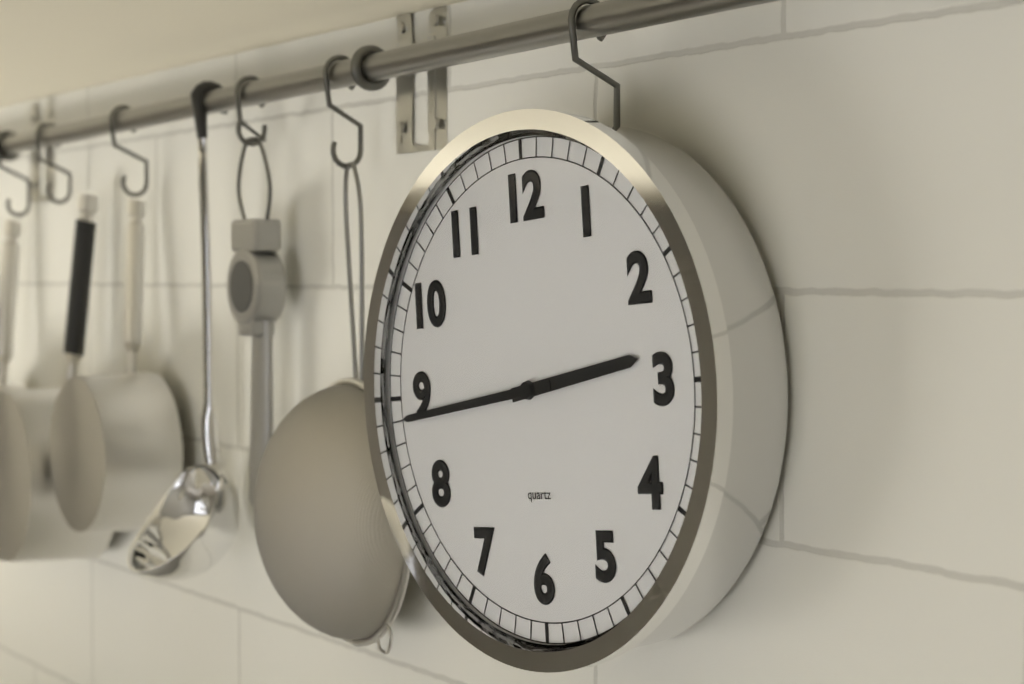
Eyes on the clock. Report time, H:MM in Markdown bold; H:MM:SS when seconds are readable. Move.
**2:44**
